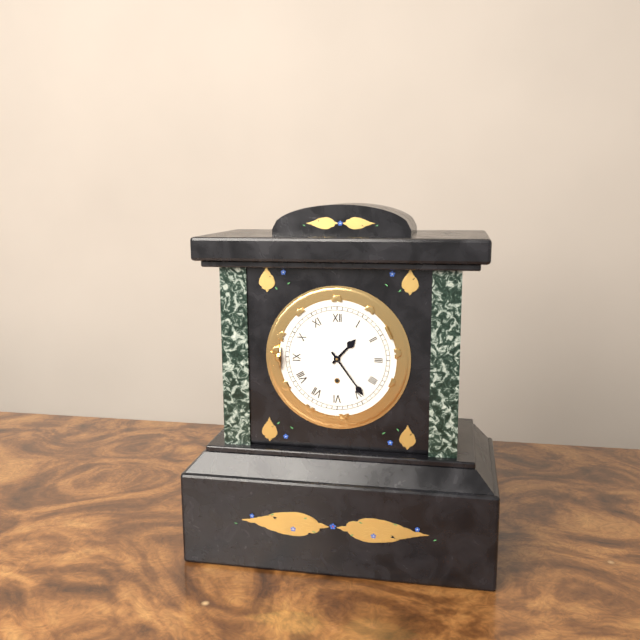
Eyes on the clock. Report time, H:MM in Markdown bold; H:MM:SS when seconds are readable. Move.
**1:24**
